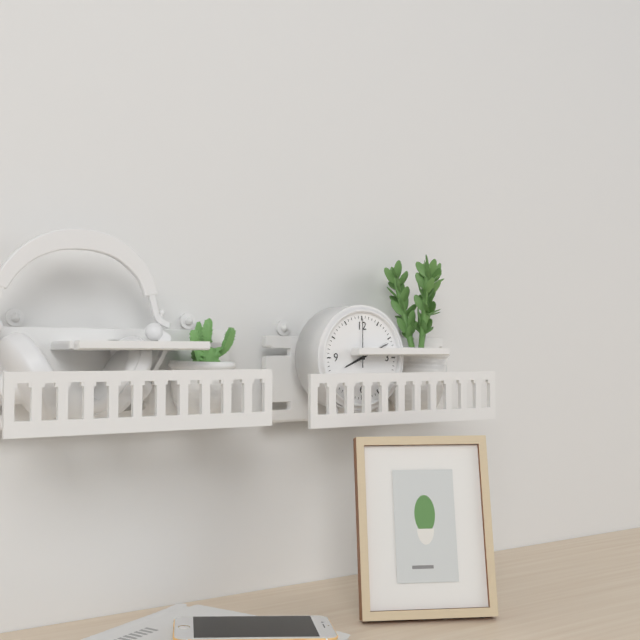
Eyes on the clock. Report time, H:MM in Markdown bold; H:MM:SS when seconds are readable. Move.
**8:11**
